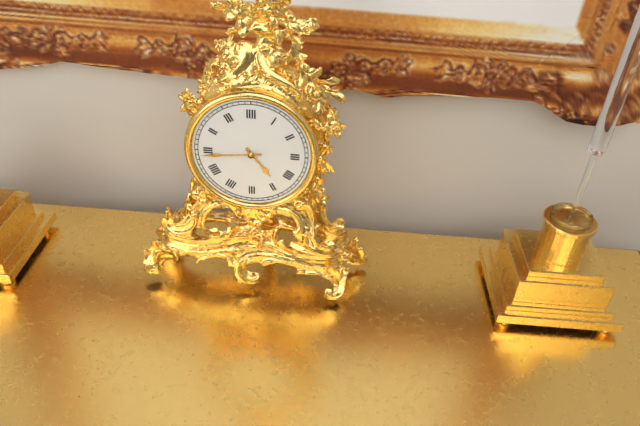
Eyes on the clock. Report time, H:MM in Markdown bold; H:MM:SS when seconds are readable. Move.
**4:44**
